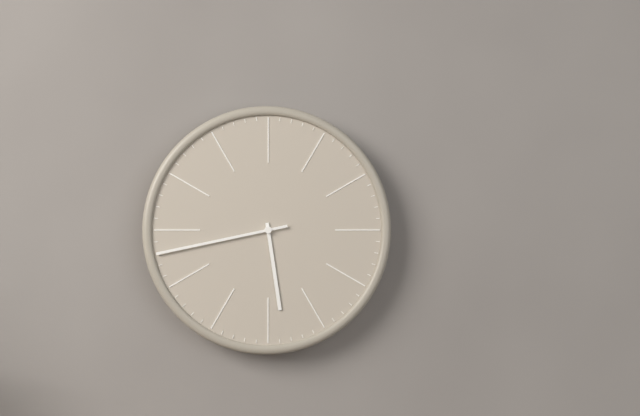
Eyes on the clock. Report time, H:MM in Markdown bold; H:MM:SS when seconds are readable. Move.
**5:43**
